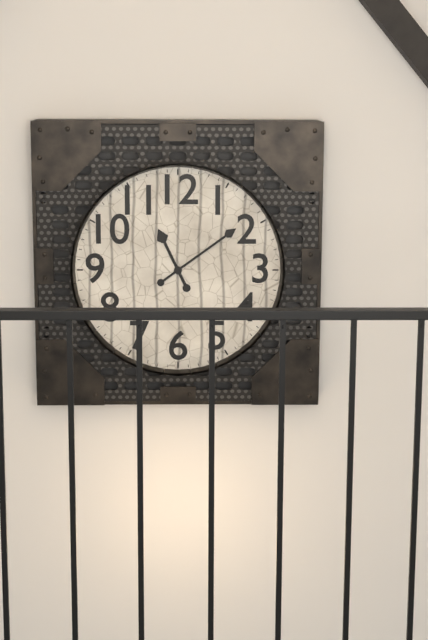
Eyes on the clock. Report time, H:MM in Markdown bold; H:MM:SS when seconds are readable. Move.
**11:09**
